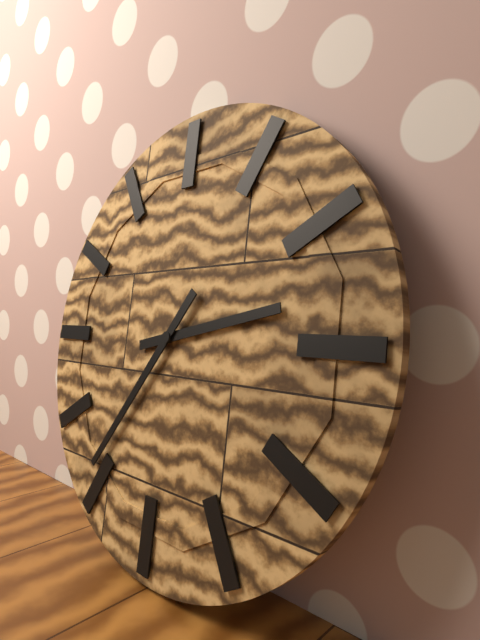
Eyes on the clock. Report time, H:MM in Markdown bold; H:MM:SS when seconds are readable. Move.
**2:36**
